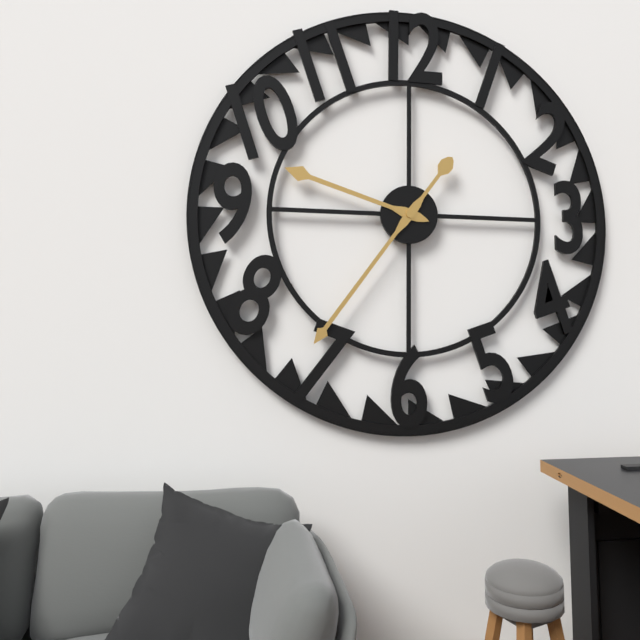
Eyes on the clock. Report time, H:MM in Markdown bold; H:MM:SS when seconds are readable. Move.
**9:36**
